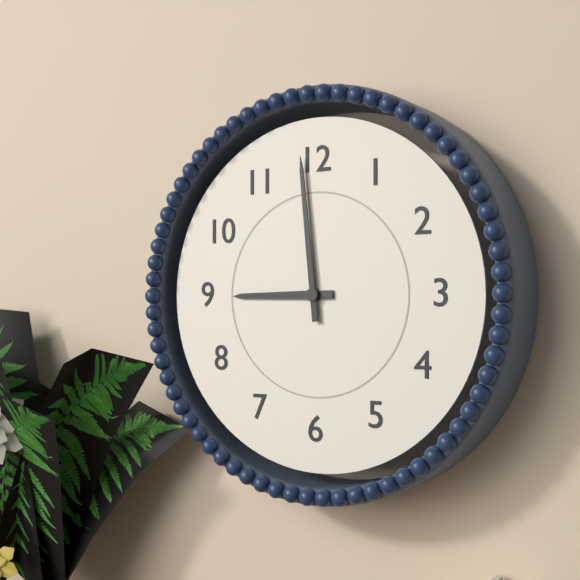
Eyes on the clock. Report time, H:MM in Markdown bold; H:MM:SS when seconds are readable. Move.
**8:59**
